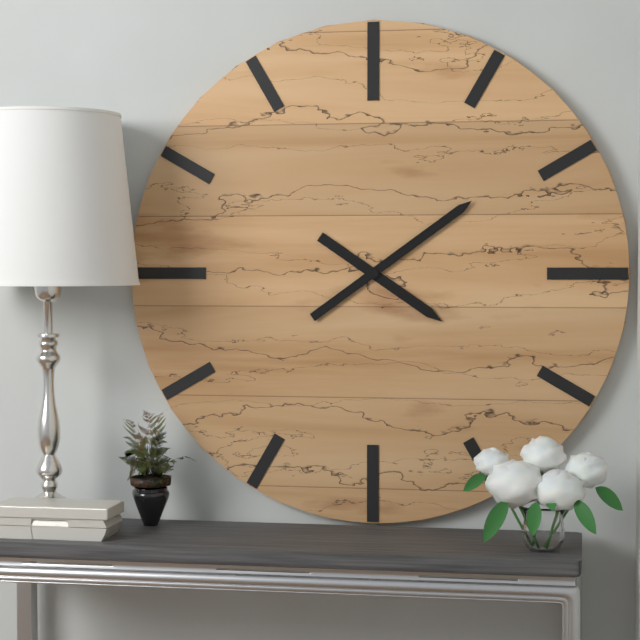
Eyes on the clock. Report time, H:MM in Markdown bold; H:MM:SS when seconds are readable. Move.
**4:09**
